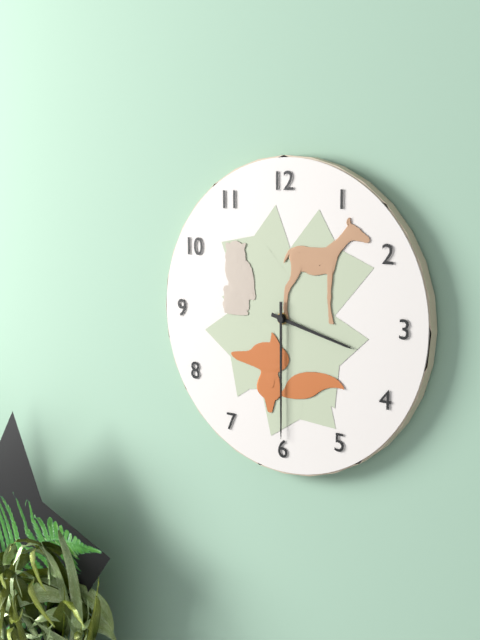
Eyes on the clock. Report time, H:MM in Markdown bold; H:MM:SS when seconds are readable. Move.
**3:30**
